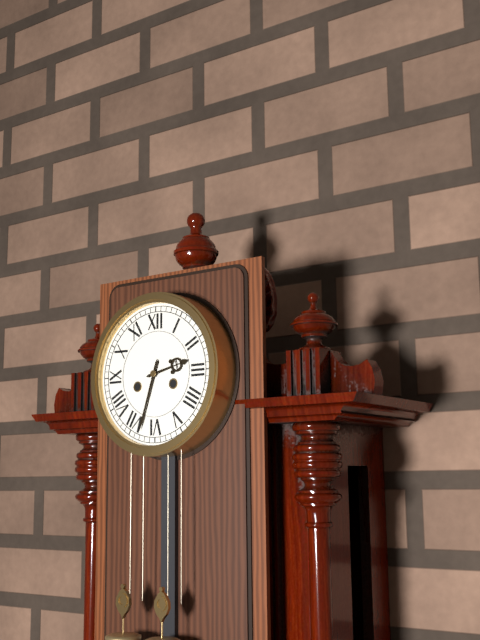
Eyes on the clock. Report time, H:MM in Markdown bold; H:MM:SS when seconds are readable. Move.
**2:33**
